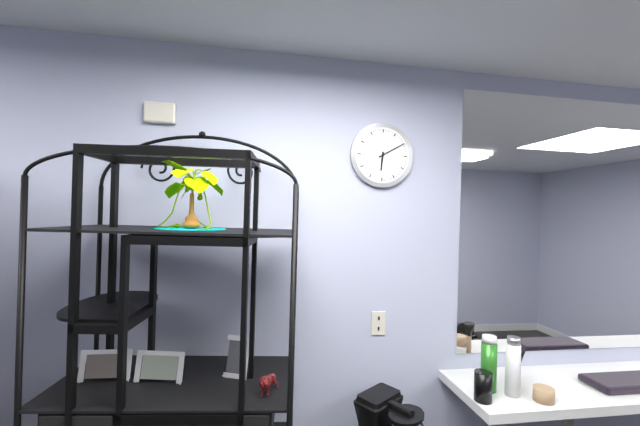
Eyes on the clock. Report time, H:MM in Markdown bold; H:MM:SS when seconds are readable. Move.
**6:10**
